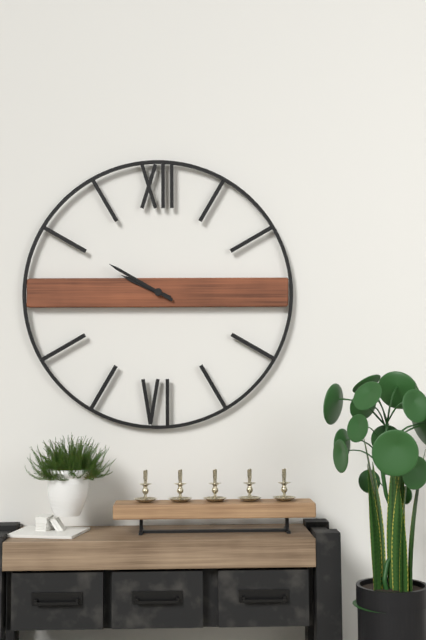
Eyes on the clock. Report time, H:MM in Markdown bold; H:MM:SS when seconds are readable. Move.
**9:50**
